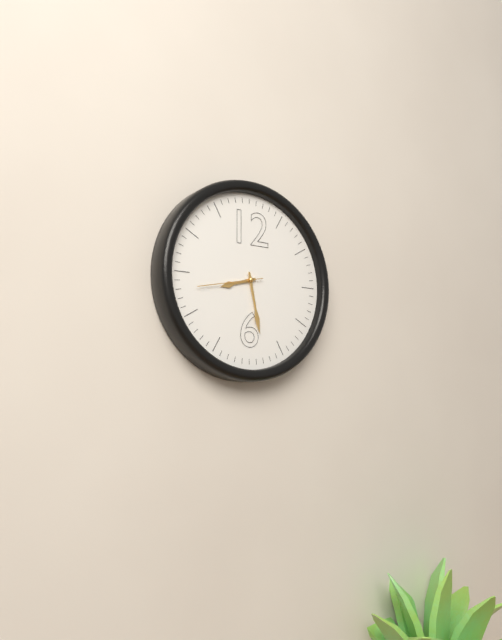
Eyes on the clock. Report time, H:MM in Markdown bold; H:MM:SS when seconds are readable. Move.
**8:28:43**
